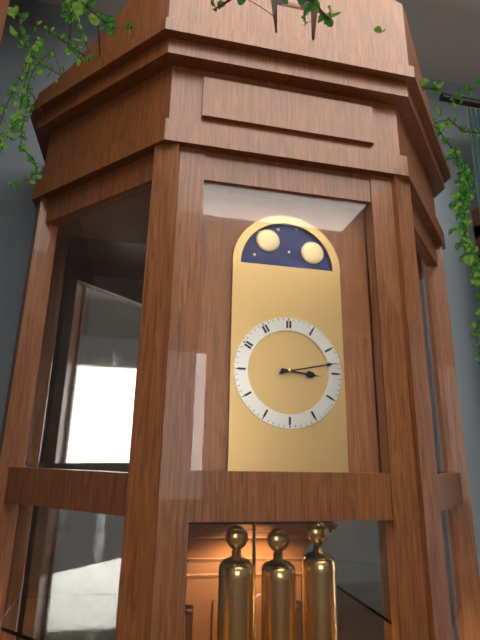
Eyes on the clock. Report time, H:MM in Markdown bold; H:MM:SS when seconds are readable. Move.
**3:13**
